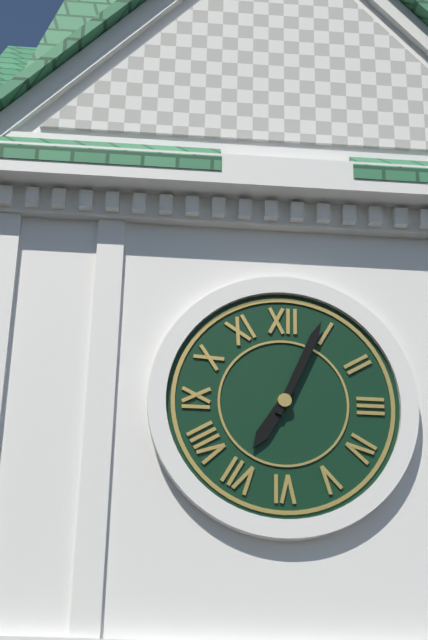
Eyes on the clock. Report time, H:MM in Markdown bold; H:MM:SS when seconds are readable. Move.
**7:04**
